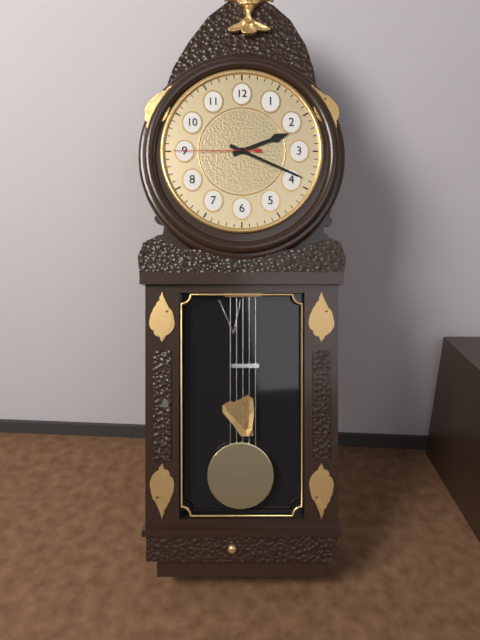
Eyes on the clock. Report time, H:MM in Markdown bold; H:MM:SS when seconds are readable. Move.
**2:19:45**
